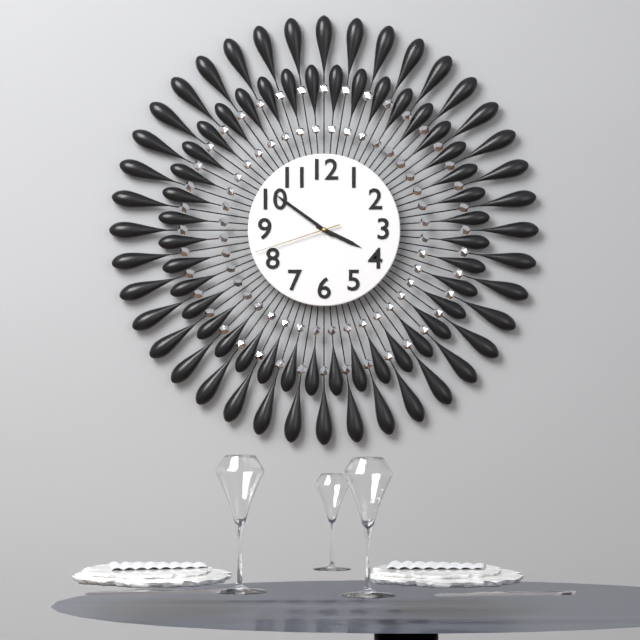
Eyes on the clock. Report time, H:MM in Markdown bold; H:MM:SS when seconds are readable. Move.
**3:51:42**
